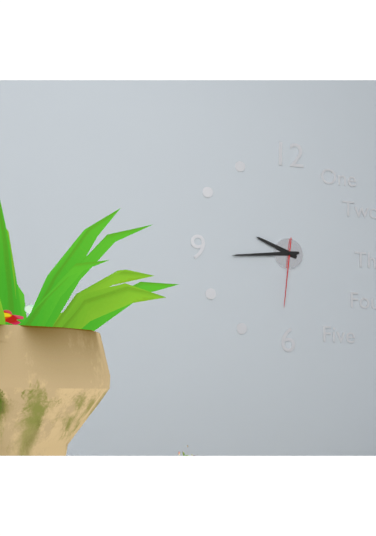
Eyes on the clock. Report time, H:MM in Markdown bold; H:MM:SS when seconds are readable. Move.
**9:44:31**
